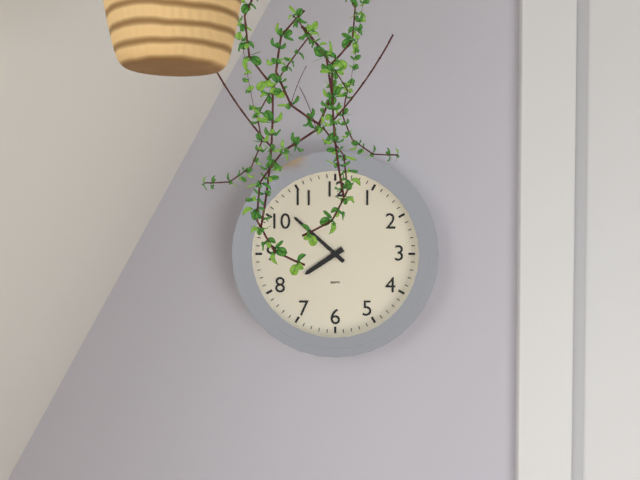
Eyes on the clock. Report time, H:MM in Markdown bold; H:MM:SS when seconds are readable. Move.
**7:52**
